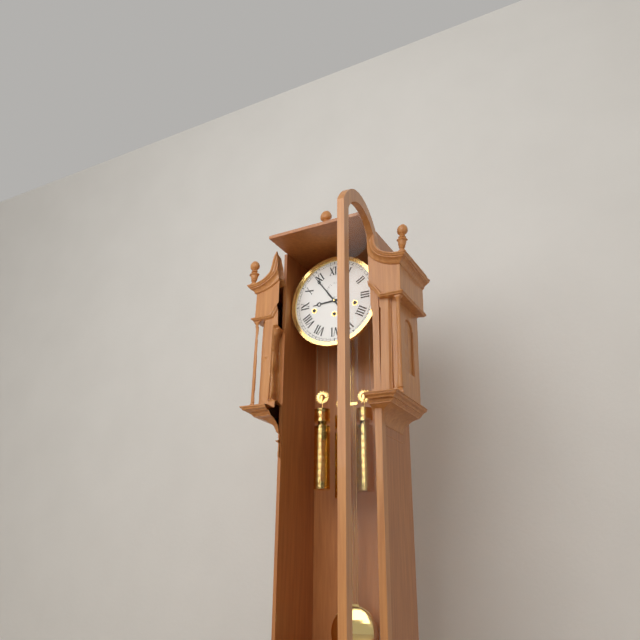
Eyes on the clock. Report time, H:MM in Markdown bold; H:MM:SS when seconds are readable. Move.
**8:54**
